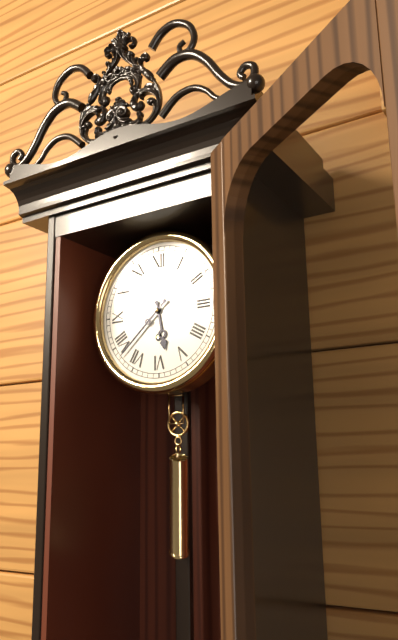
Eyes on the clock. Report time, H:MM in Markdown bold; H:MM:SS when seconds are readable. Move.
**5:38**
